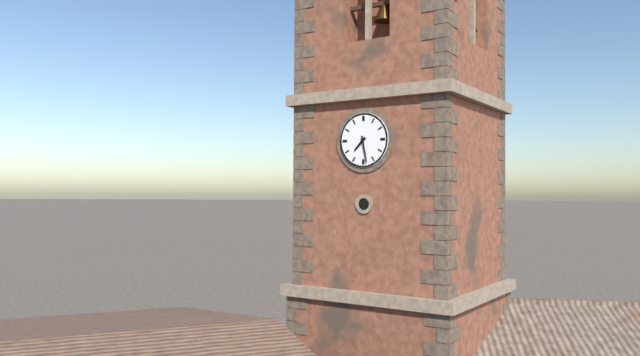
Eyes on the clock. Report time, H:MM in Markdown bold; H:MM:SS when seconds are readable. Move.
**7:28**
